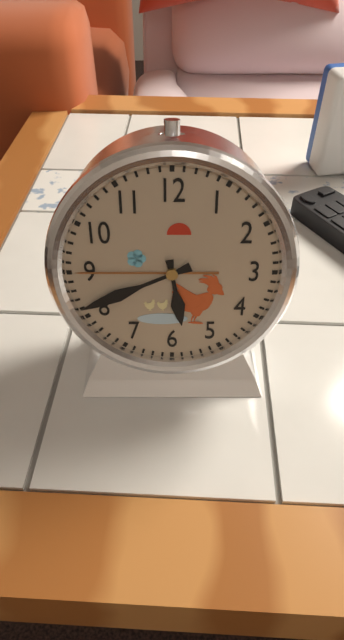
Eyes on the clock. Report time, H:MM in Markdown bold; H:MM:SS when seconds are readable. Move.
**5:41**
